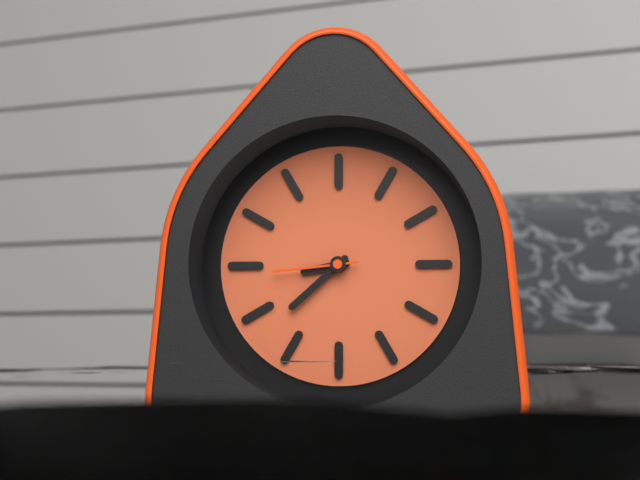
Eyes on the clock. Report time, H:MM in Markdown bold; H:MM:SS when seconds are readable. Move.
**8:38:44**
